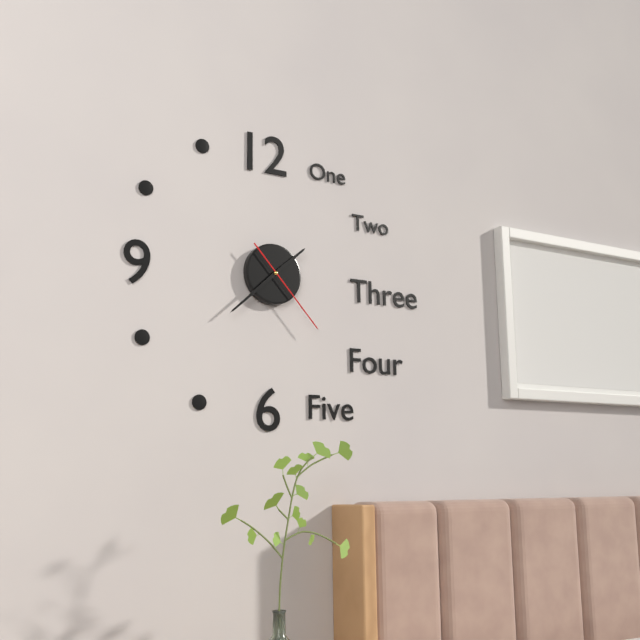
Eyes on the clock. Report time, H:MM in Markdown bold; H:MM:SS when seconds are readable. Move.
**1:38:23**
